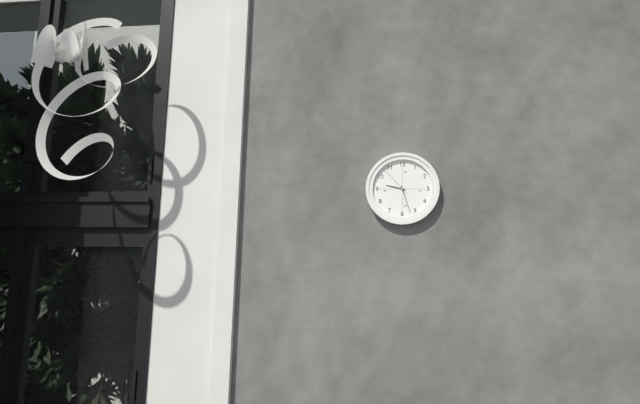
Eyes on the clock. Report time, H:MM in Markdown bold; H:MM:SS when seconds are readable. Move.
**9:27**
